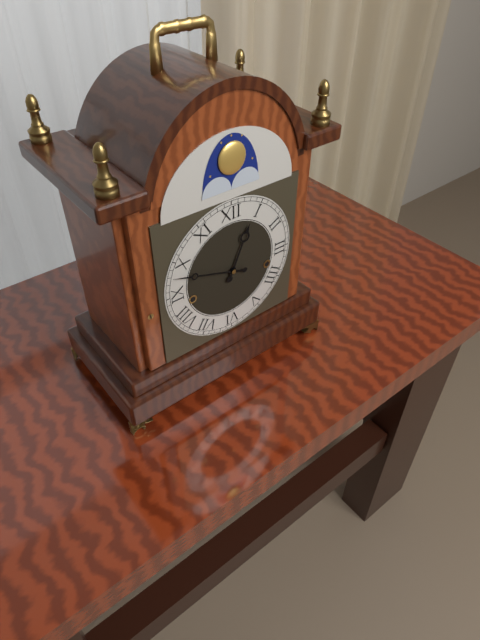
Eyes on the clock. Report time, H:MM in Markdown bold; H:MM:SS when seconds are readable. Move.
**12:48**
